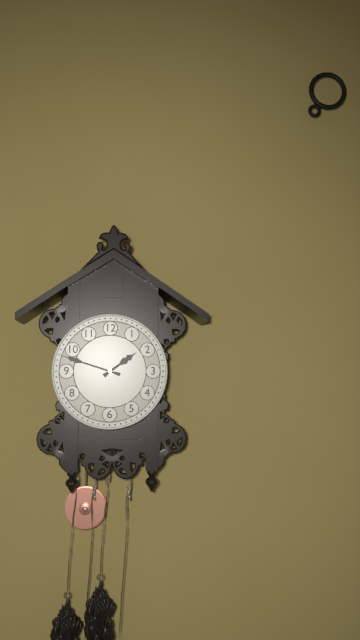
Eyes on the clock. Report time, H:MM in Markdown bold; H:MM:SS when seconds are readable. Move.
**1:48**
